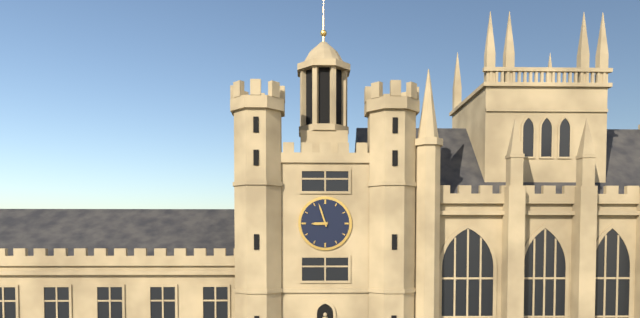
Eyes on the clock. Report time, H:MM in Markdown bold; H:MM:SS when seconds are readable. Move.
**8:57**
